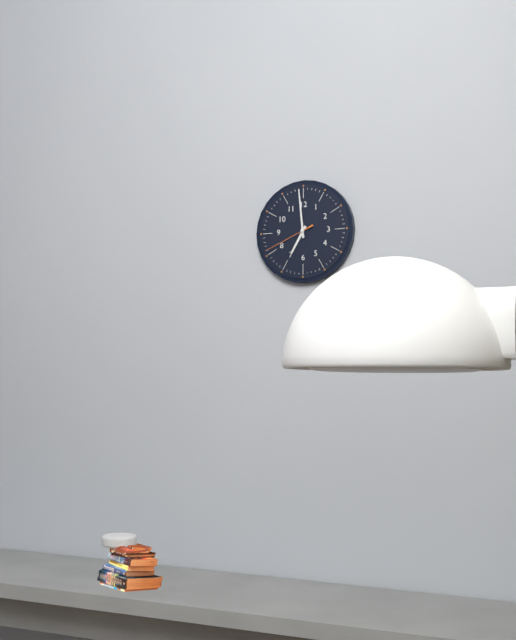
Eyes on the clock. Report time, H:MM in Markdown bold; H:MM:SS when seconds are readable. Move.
**6:59:41**
